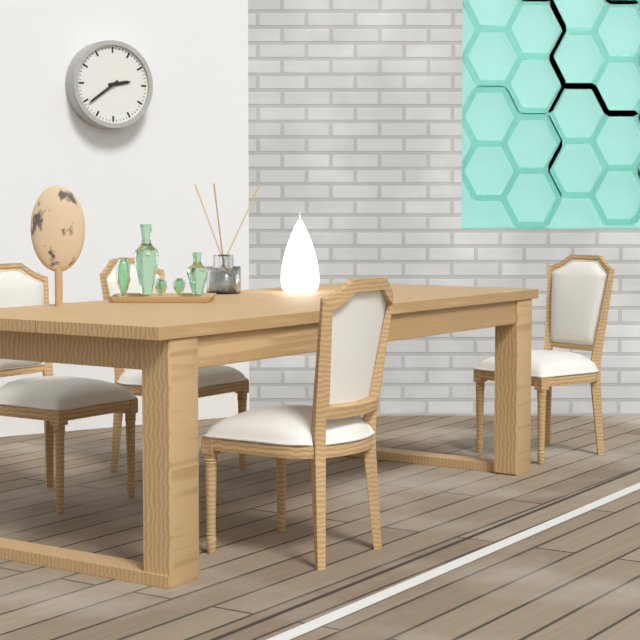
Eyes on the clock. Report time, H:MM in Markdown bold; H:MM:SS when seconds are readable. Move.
**2:39**
